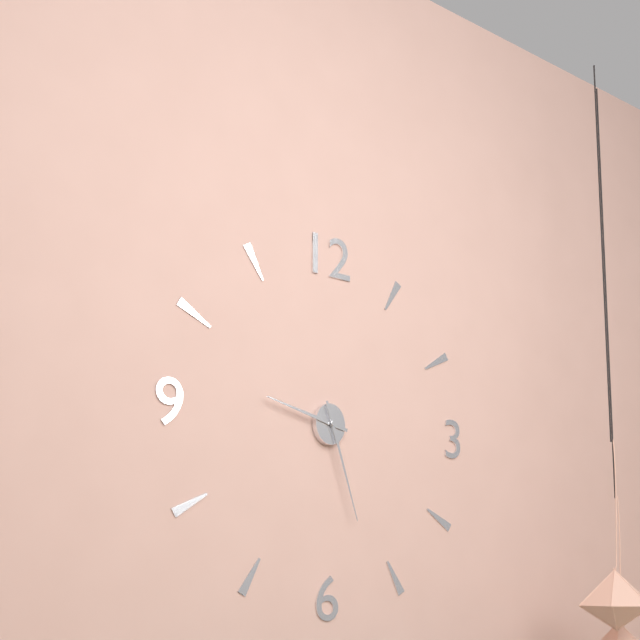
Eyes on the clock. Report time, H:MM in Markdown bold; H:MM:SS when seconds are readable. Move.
**9:27**
